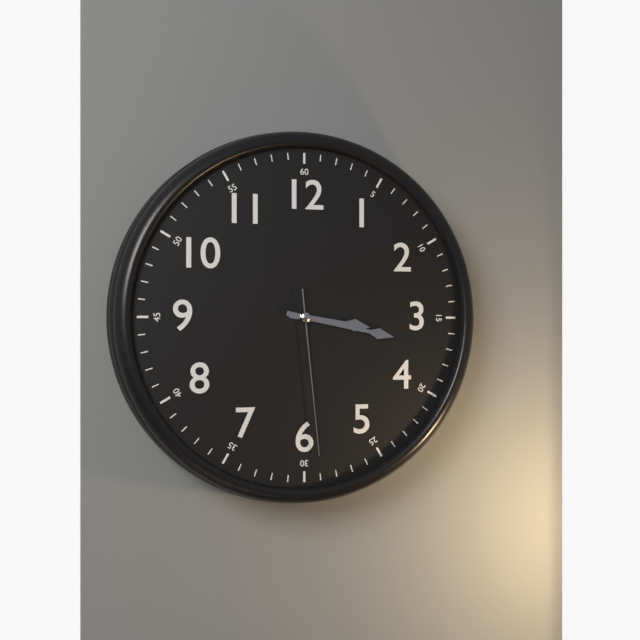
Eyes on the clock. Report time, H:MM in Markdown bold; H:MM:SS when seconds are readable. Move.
**3:17:29**
